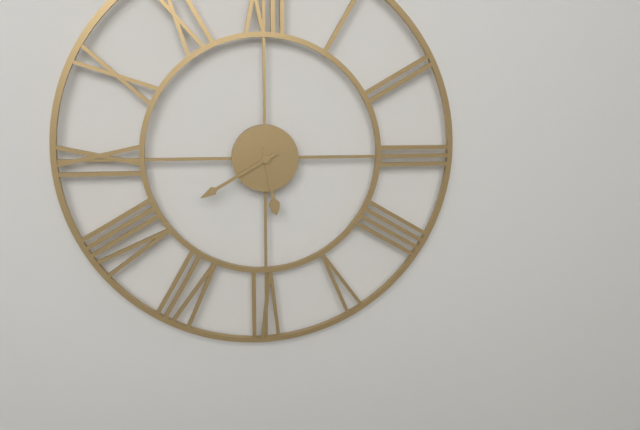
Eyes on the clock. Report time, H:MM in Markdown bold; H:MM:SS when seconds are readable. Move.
**5:40**
